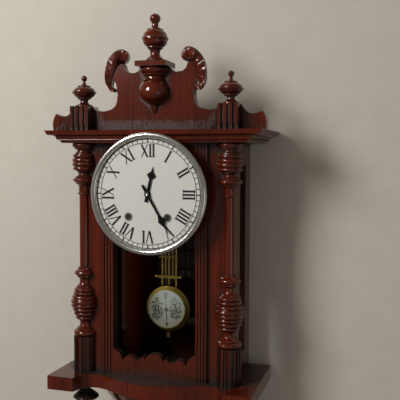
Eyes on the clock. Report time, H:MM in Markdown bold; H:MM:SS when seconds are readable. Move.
**12:25**
